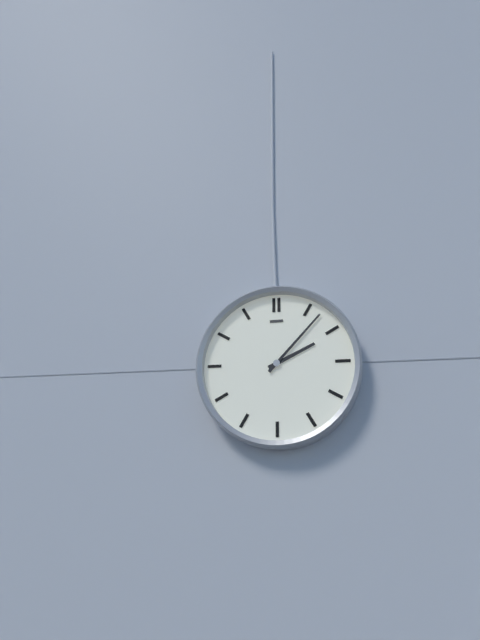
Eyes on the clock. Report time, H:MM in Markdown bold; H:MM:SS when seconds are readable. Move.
**2:07**
